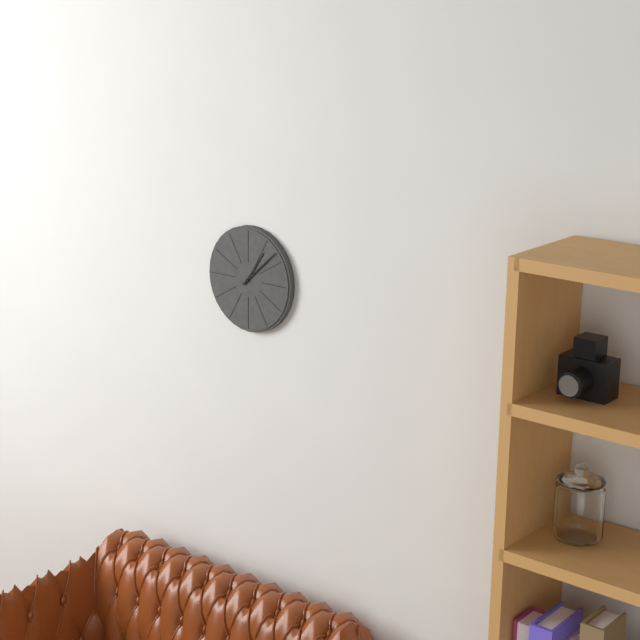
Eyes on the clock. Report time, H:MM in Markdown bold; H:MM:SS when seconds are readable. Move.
**1:08**
